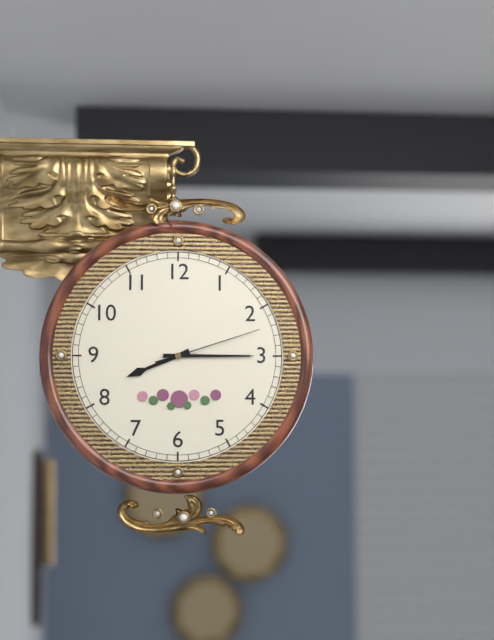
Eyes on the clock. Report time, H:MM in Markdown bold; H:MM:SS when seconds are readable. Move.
**8:15:12**
